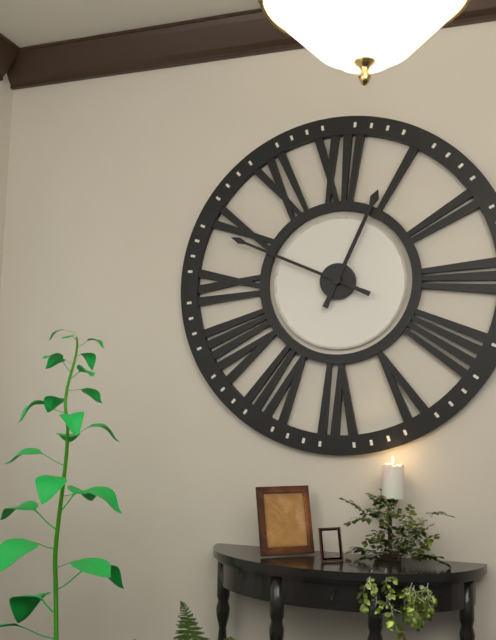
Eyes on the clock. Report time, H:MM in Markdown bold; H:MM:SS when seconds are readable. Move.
**12:49**
